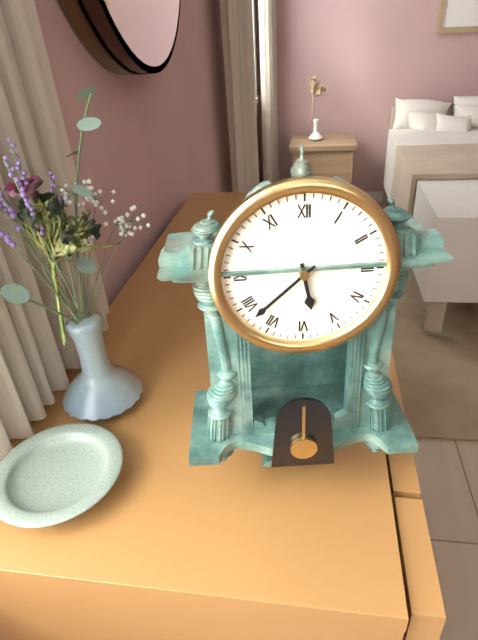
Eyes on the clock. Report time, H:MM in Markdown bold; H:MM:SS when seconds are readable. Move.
**5:38**
